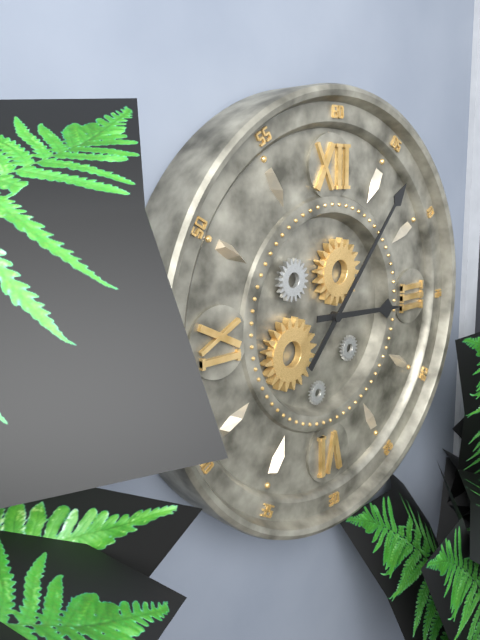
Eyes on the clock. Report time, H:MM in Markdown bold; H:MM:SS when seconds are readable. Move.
**3:07**
